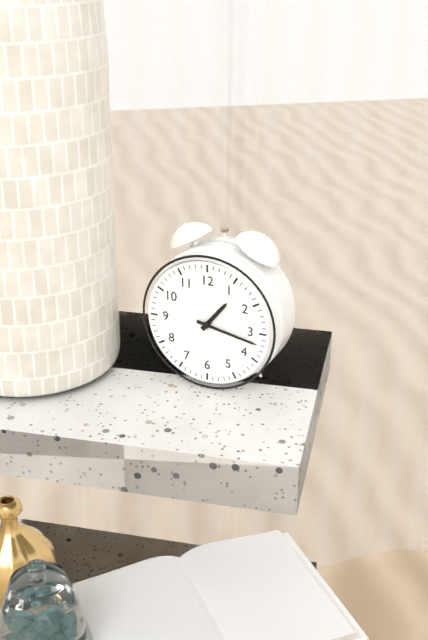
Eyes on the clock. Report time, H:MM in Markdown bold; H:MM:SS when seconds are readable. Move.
**1:17**
